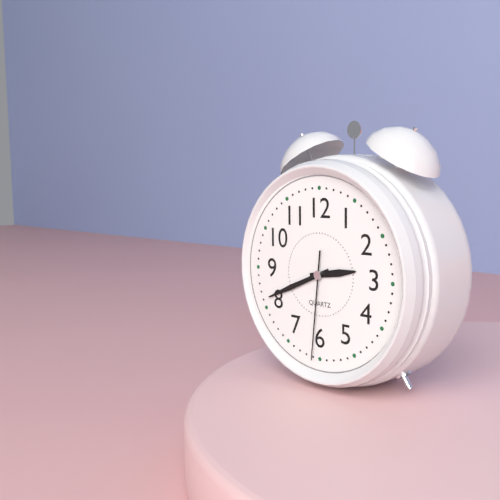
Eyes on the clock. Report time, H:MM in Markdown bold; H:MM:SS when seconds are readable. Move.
**2:41:31**
